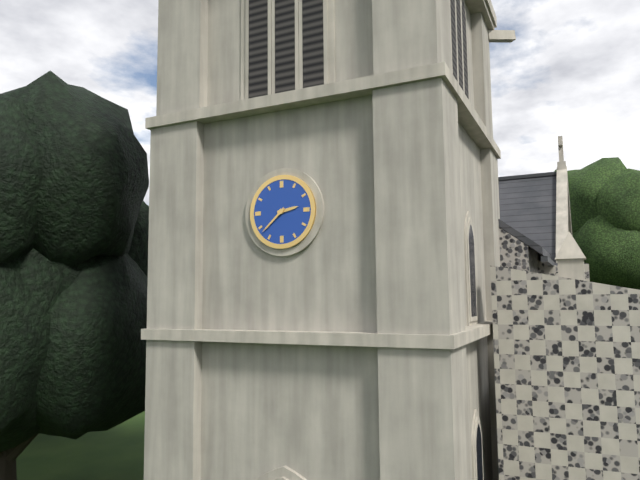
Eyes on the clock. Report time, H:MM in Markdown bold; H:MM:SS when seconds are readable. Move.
**2:38**
